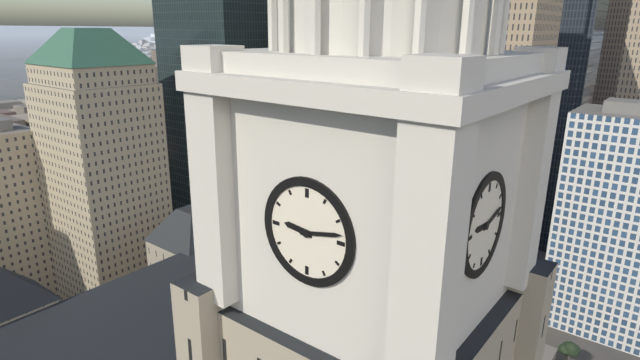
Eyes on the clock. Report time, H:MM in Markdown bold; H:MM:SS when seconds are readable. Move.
**9:13**
